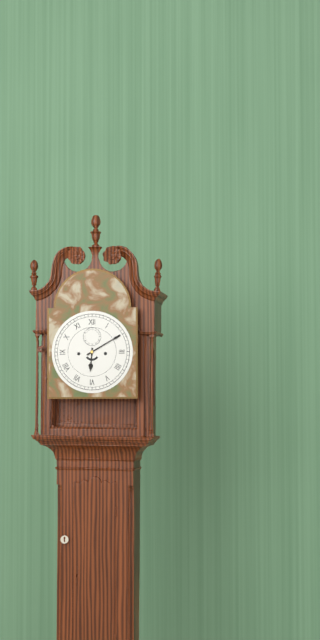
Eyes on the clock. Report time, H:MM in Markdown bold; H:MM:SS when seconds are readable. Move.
**6:10**
